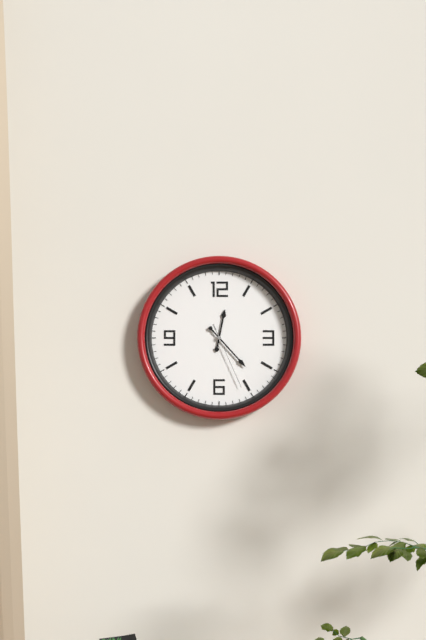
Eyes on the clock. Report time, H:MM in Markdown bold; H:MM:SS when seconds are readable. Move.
**12:23:26**
